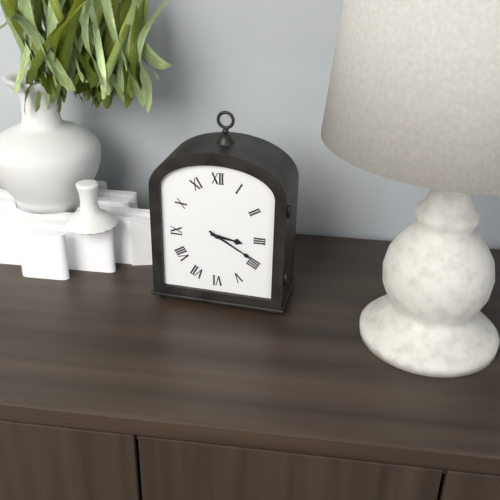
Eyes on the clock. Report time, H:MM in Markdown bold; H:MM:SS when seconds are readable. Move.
**3:20**
